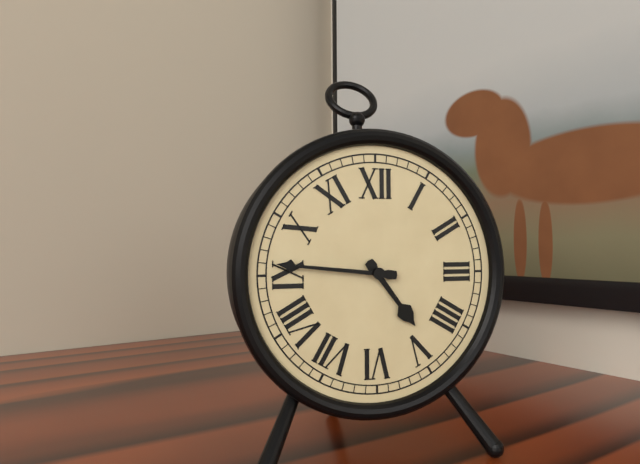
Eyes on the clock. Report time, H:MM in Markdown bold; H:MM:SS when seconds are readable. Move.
**4:46**
